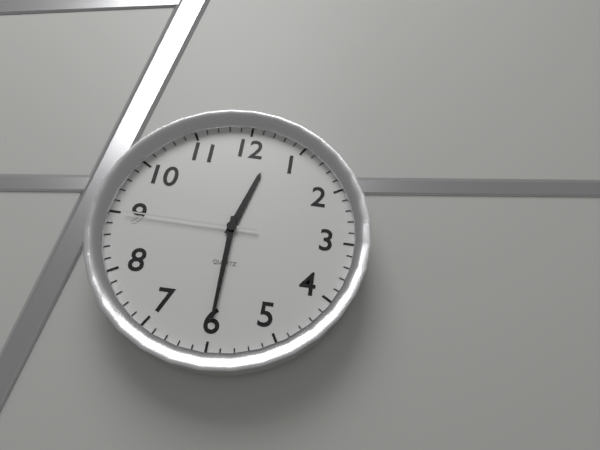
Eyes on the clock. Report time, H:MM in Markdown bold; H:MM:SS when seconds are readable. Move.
**12:30:45**
